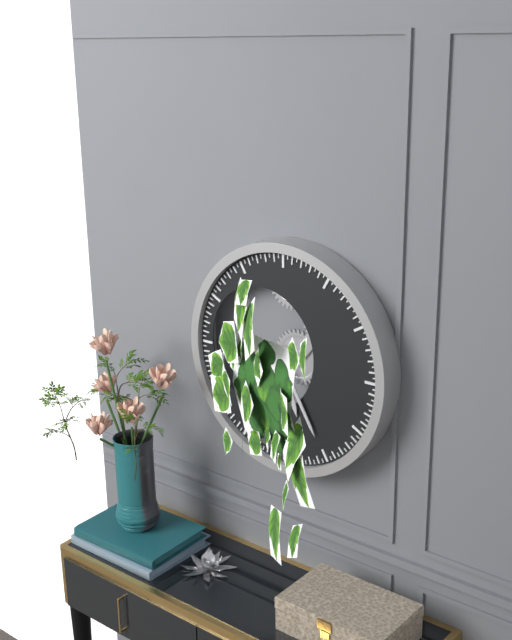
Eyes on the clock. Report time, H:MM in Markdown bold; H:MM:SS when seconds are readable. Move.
**5:25**
